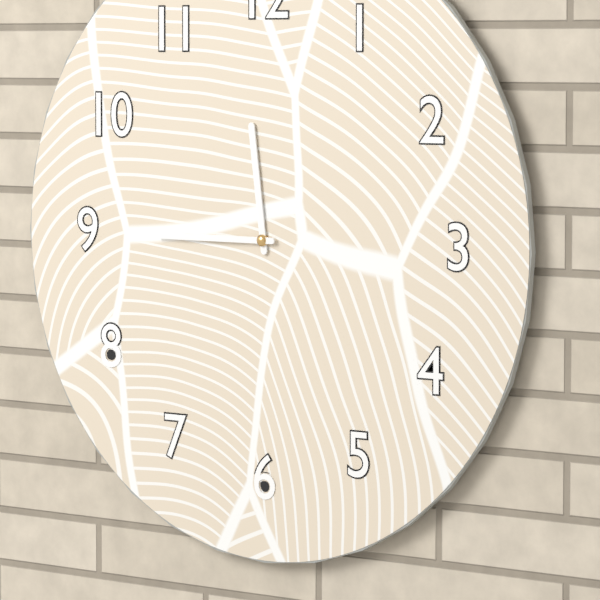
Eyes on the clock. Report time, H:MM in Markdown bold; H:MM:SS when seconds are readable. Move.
**11:45**
